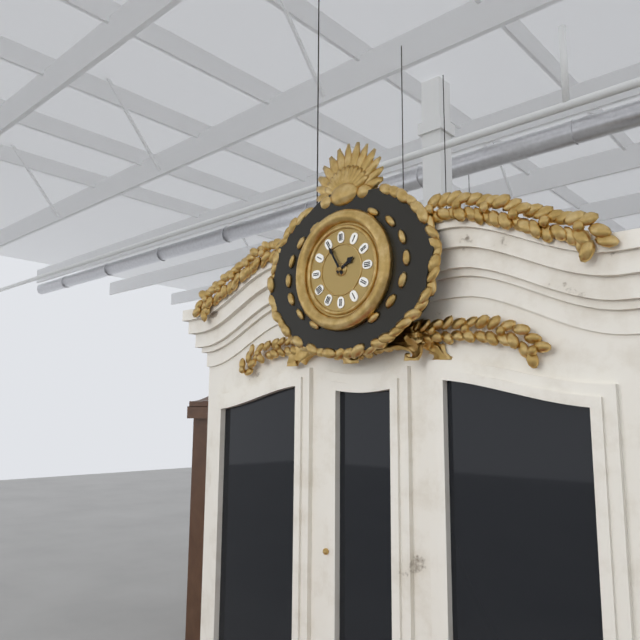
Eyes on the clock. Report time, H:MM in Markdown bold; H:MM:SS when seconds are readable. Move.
**1:55**
